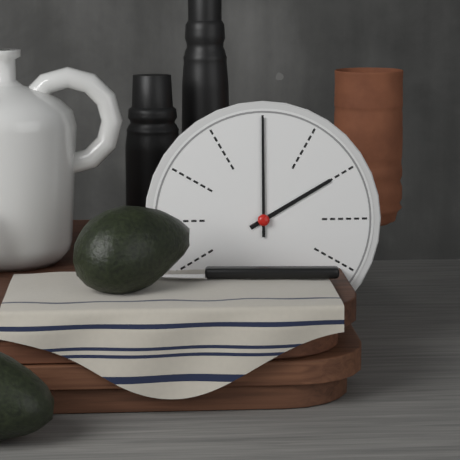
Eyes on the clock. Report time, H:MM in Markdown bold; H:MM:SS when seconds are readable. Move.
**2:00**
